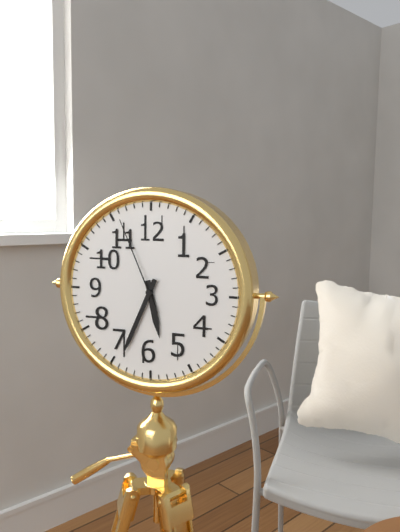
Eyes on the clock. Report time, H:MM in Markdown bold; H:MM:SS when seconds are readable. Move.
**5:34:56**
